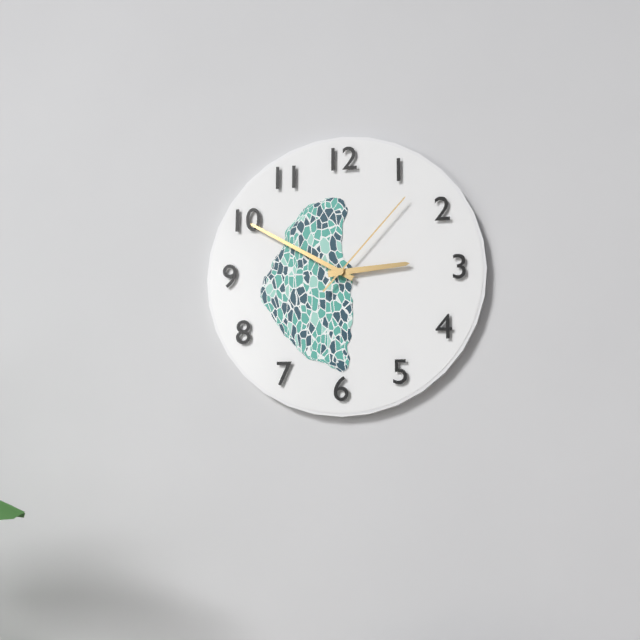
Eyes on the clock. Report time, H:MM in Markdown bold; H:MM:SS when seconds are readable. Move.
**2:50:07**
